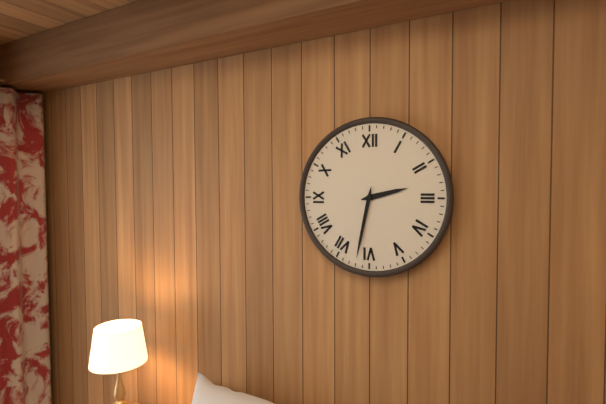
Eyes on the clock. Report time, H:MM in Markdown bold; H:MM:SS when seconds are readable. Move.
**2:32**
